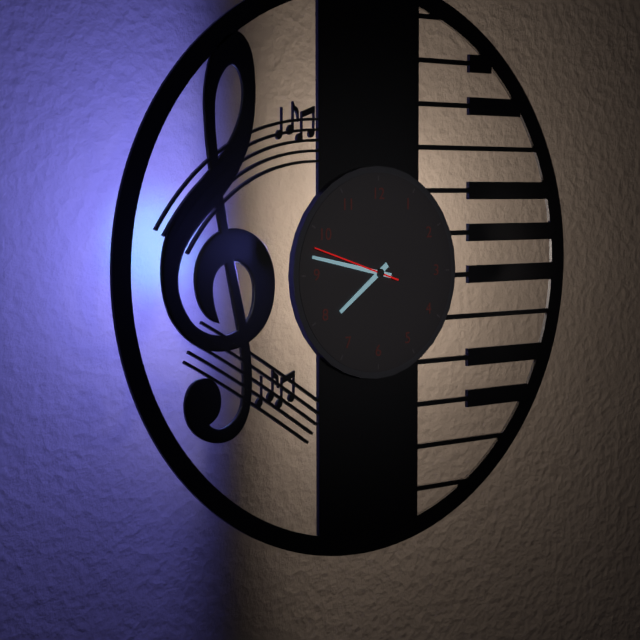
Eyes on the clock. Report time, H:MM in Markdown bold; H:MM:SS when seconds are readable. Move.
**7:47:48**
